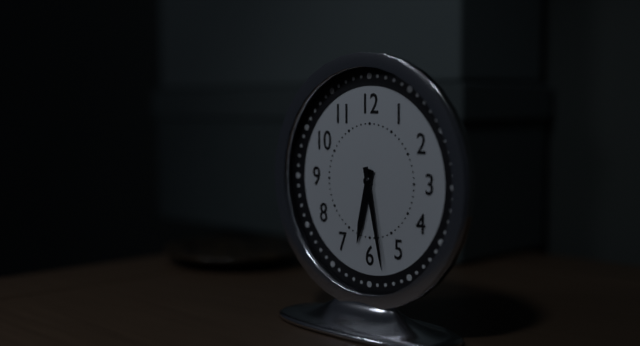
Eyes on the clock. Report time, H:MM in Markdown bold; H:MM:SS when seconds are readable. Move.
**6:28**
